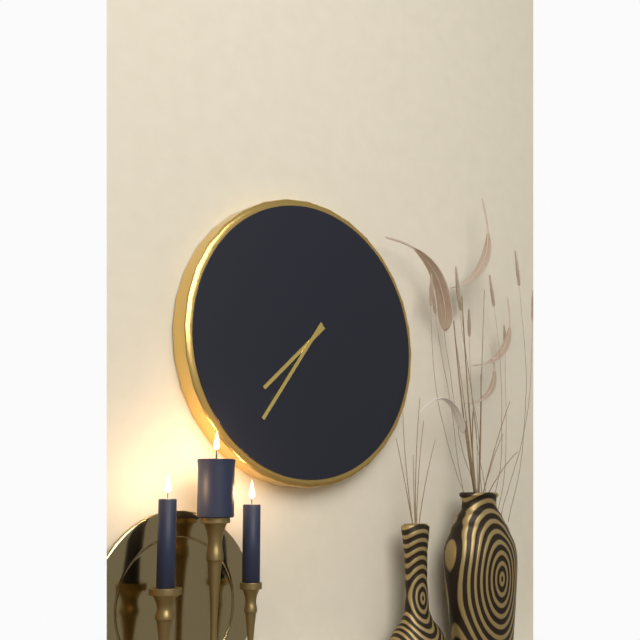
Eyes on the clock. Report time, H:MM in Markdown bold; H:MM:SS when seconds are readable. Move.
**7:36**
